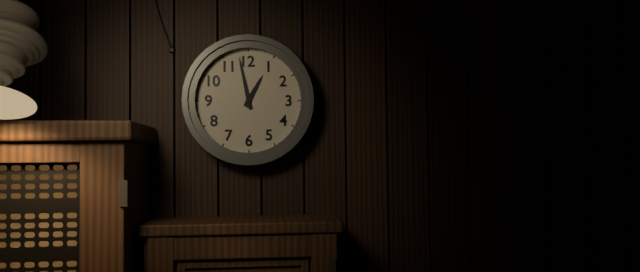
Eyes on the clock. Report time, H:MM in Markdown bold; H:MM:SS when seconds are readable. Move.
**12:58**
